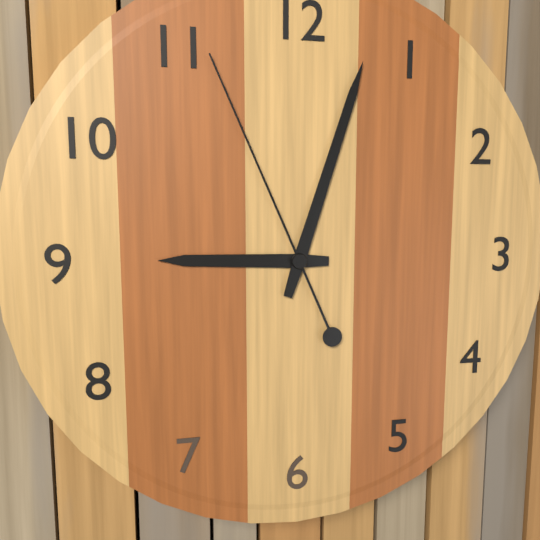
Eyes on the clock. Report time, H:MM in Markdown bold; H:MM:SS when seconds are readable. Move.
**9:03:56**
